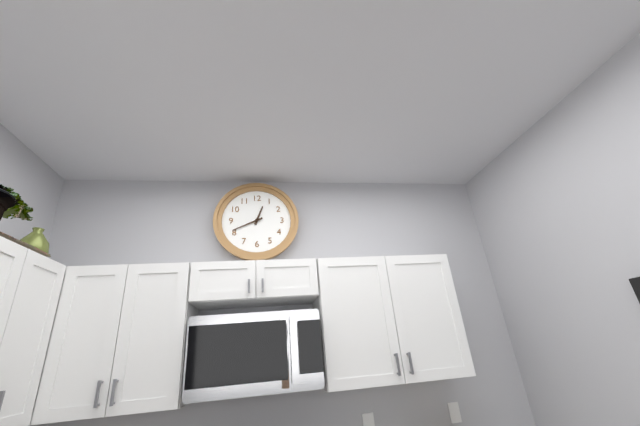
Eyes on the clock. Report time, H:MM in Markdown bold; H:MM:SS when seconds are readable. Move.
**12:41**
